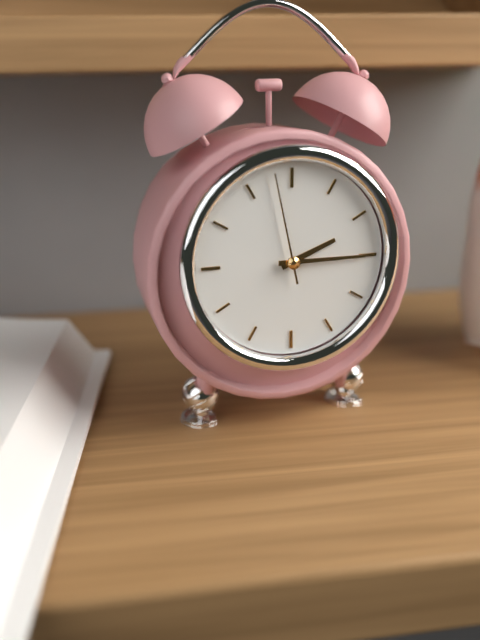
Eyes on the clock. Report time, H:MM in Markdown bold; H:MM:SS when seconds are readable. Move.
**2:15:58**
